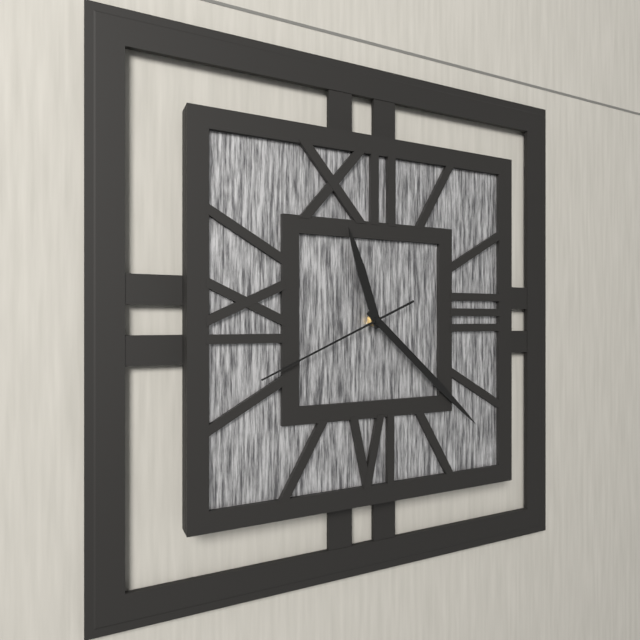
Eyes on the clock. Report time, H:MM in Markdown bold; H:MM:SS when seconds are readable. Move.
**11:22:41**
